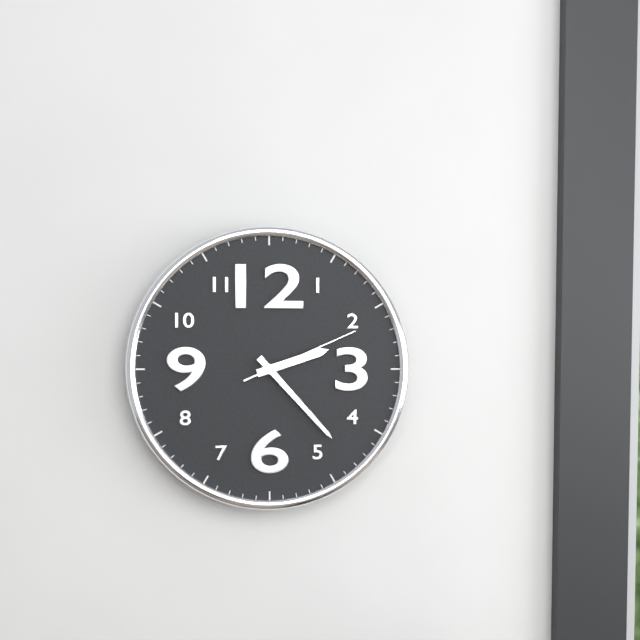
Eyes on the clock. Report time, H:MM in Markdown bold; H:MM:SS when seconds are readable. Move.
**2:23:11**
